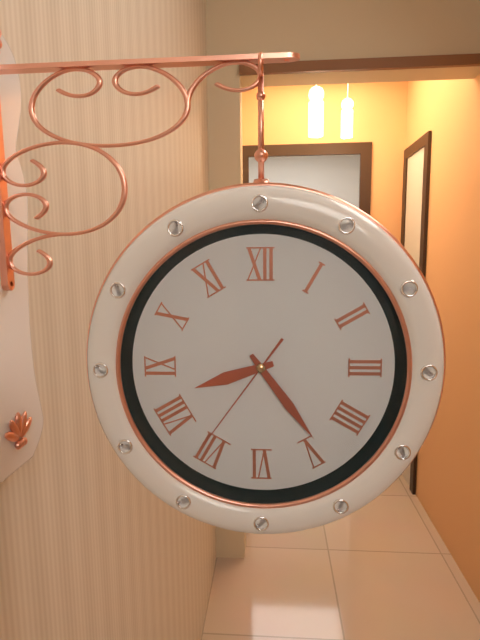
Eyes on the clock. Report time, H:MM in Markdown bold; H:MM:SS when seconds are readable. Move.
**8:24:36**
